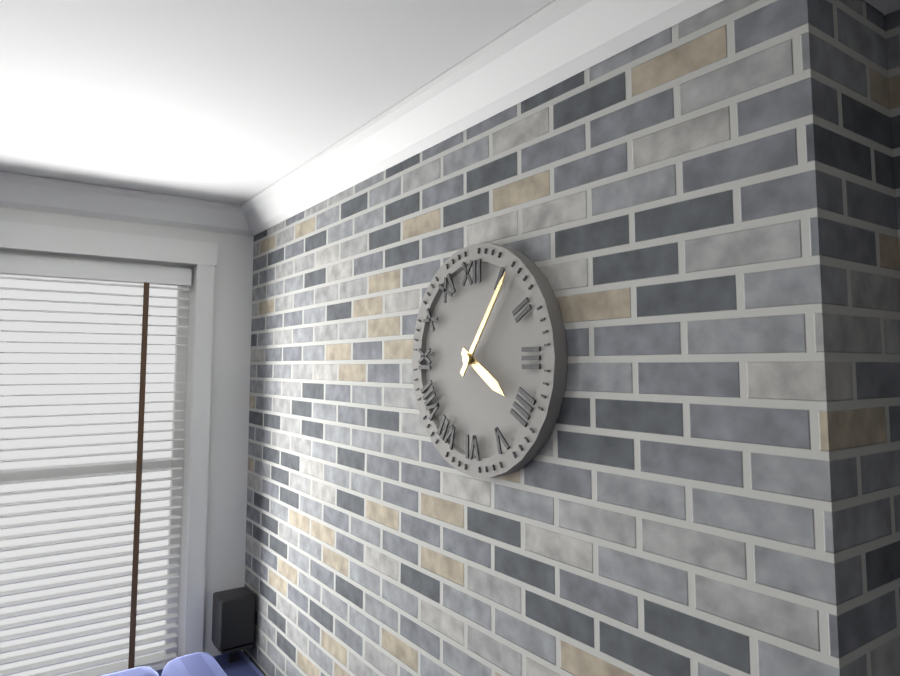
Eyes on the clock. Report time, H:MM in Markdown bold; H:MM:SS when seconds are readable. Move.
**4:06**
